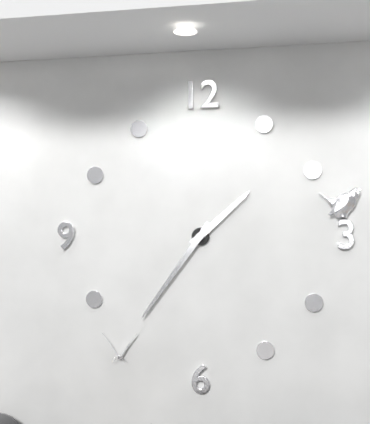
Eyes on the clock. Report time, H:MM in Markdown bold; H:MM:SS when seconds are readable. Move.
**1:36**
